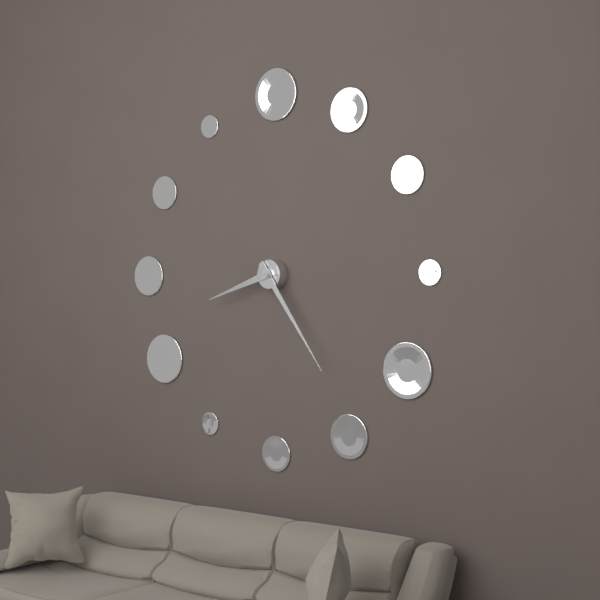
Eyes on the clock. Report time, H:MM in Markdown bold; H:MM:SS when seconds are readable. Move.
**8:24**
